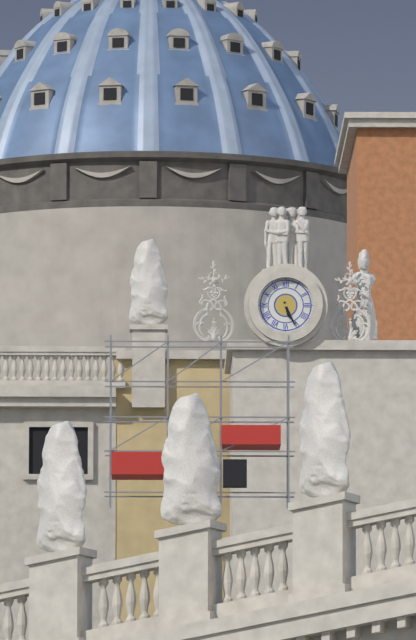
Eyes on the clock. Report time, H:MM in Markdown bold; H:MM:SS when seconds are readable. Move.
**5:26**
